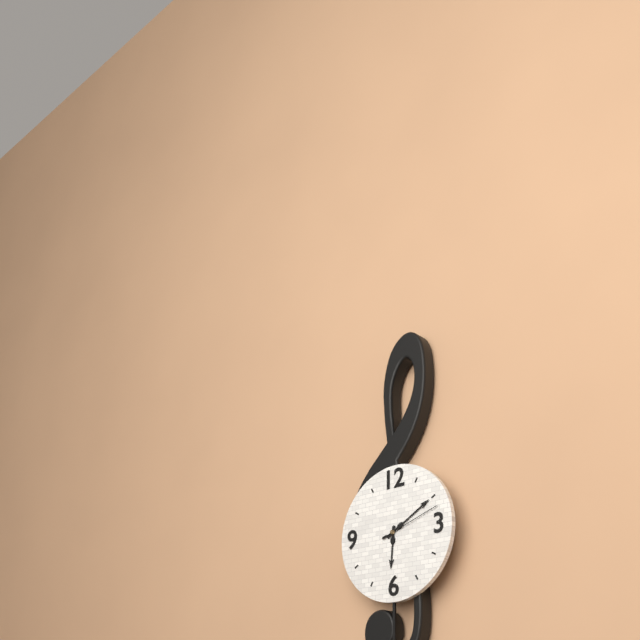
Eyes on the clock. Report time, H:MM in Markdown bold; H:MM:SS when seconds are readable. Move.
**6:10:12**
